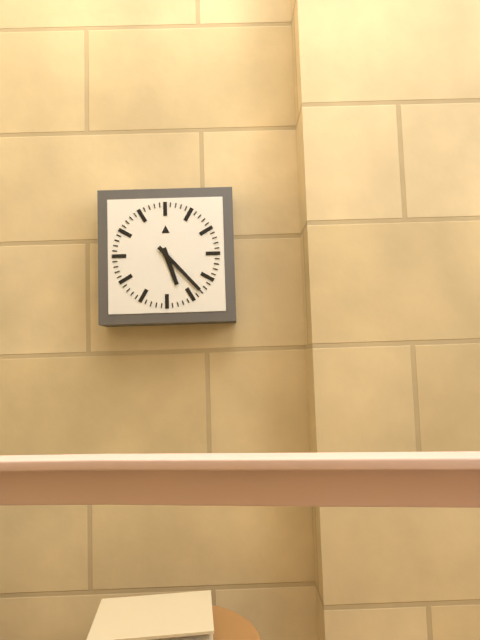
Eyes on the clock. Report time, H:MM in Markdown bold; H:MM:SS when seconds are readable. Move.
**5:23**
